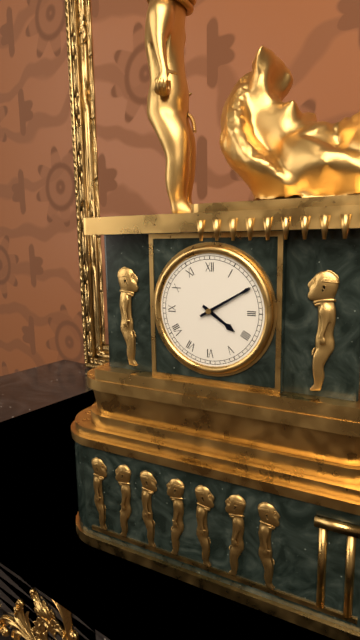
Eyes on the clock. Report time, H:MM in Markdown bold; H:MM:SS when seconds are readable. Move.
**4:10**
